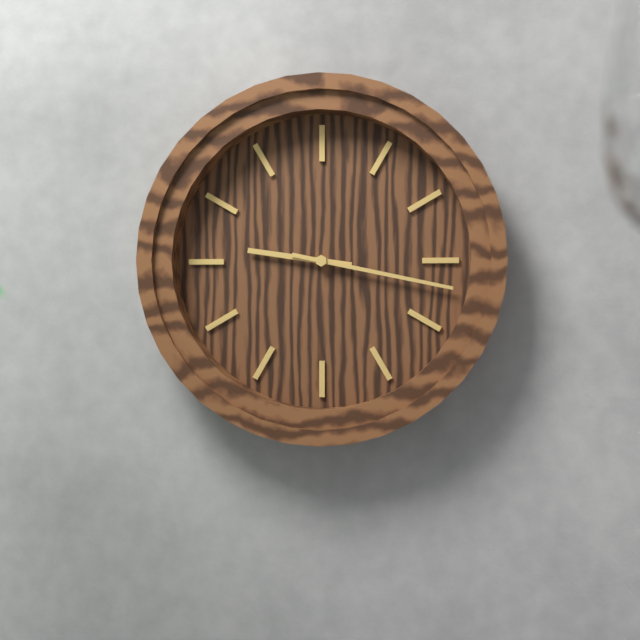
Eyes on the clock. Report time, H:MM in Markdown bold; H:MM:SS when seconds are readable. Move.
**9:17**
